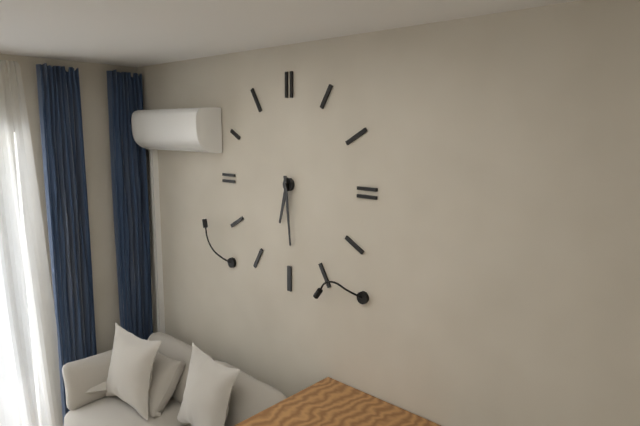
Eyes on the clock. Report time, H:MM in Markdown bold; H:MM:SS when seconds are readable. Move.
**6:29**
